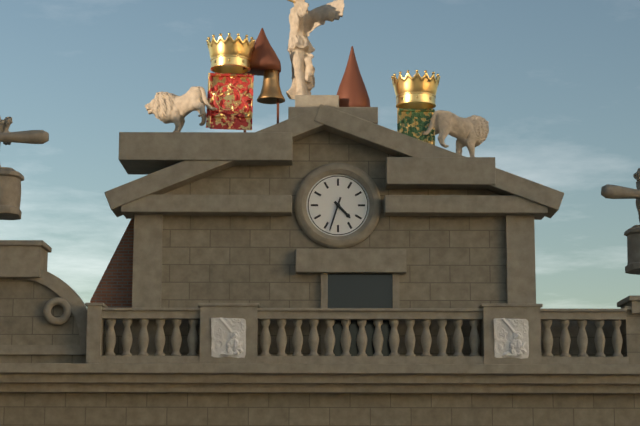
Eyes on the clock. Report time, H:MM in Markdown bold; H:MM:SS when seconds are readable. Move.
**4:33**
